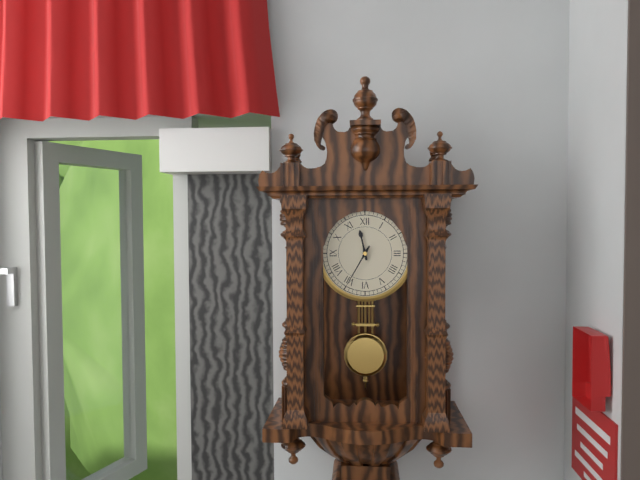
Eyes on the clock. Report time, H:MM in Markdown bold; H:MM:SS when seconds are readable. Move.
**11:35**
